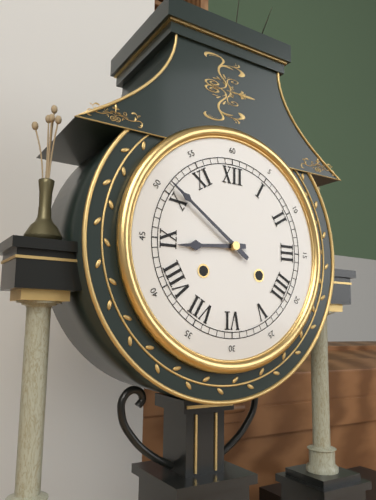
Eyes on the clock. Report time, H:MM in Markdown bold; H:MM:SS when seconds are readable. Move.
**8:51**
